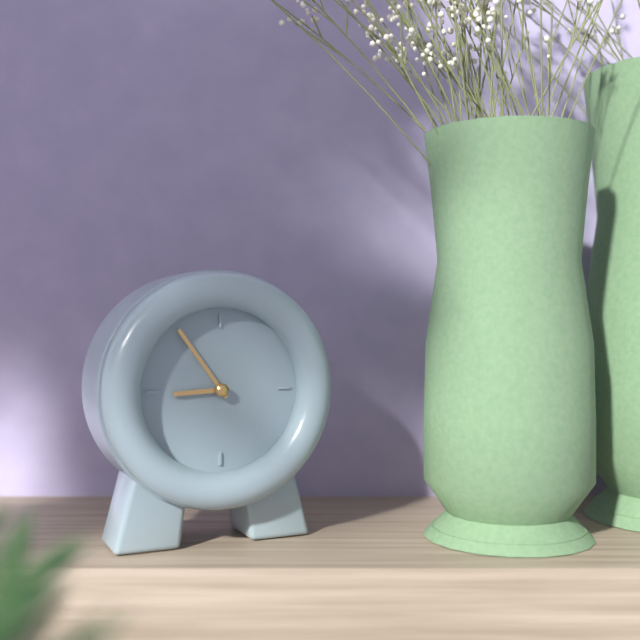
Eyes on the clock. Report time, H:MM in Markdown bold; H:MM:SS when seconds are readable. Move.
**8:54**
